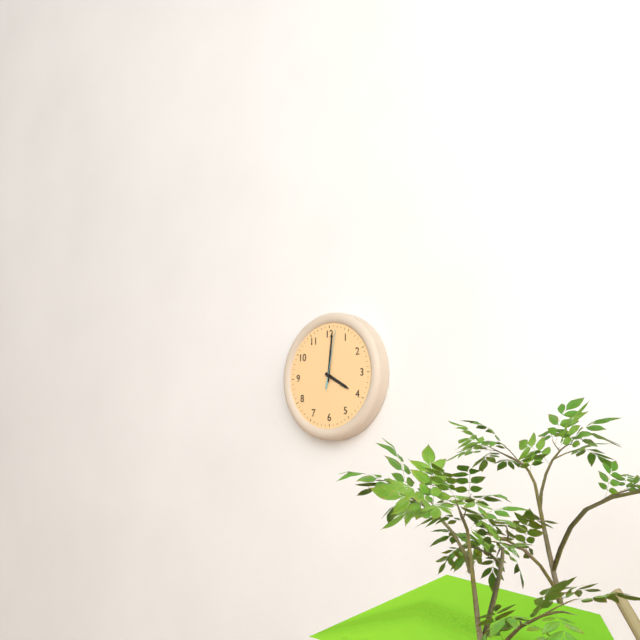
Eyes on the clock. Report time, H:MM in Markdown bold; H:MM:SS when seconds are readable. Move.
**4:01:02**
